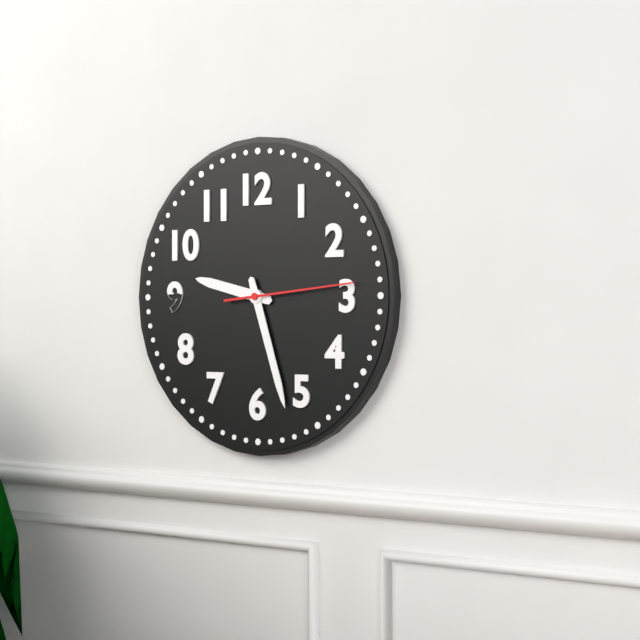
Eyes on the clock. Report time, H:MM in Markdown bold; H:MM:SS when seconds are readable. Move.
**9:27:14**
